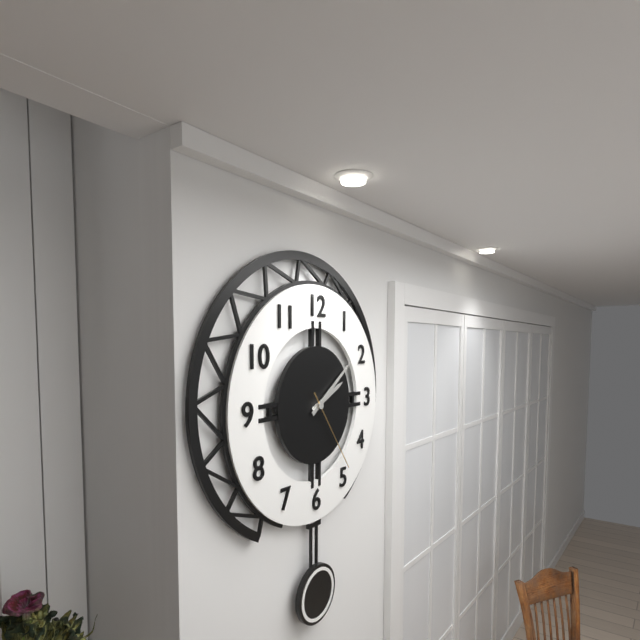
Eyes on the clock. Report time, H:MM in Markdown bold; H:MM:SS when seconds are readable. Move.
**2:09:24**
